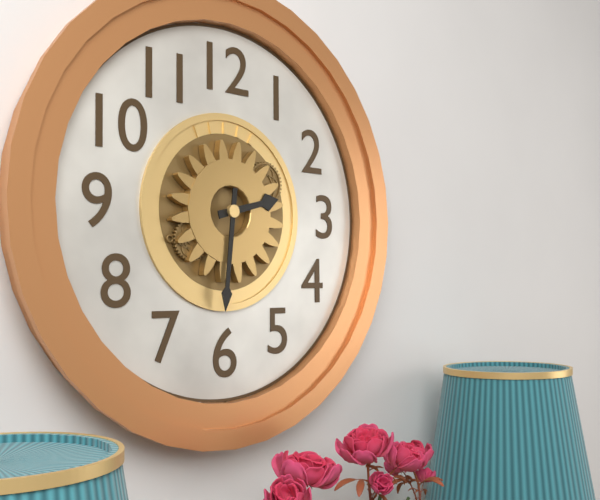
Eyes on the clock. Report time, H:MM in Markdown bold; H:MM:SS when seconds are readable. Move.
**2:31**
